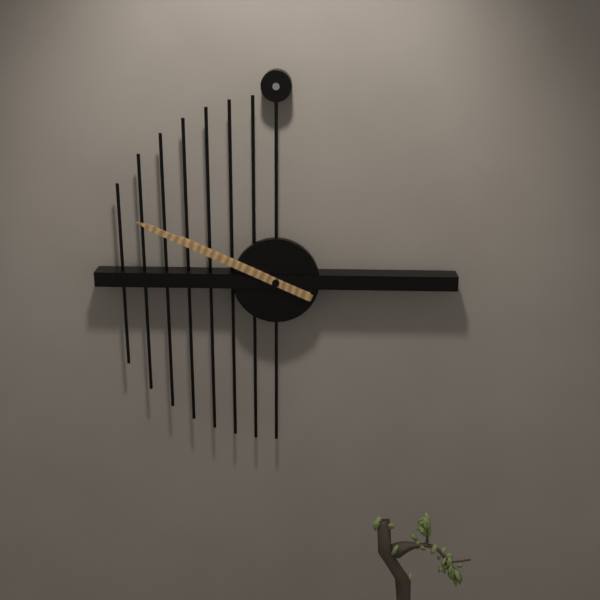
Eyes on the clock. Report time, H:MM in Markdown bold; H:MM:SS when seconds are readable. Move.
**9:49**
